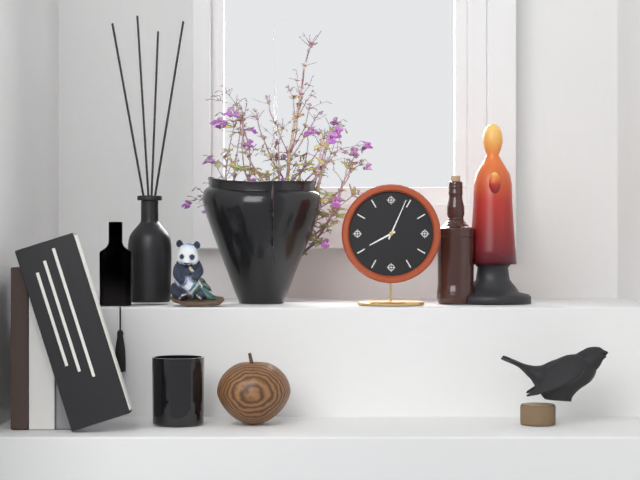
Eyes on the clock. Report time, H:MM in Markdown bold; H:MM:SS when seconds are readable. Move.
**8:04**
